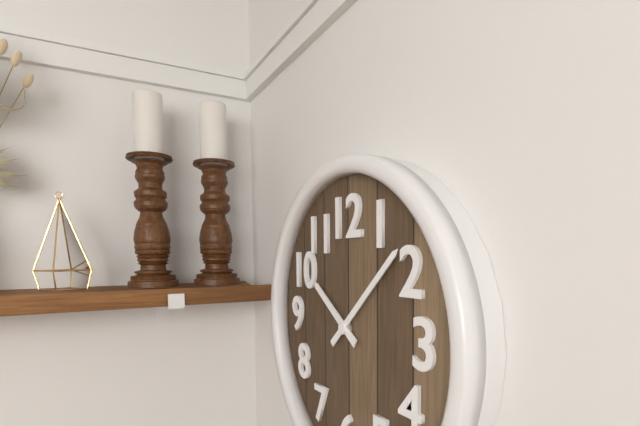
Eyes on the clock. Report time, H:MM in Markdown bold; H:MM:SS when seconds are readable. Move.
**10:08**
